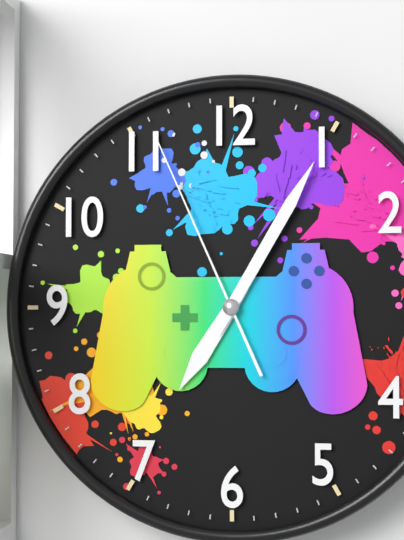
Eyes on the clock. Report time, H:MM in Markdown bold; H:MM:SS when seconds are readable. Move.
**7:05:56**
